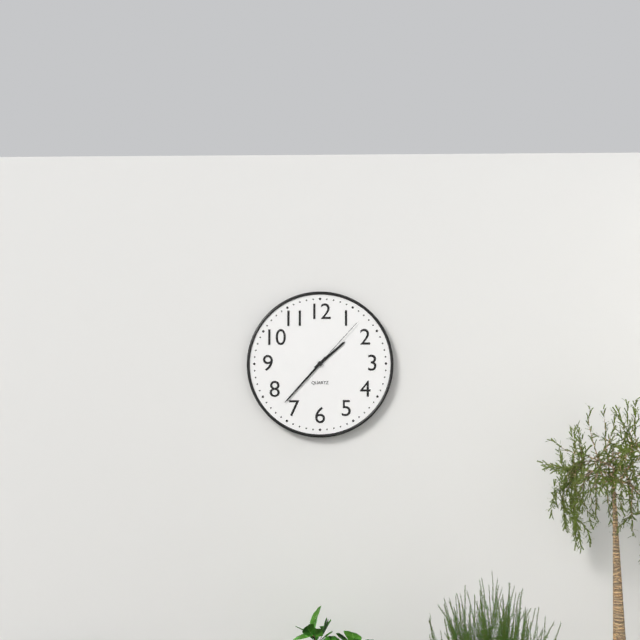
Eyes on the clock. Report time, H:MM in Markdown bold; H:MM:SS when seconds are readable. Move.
**1:37:07**
